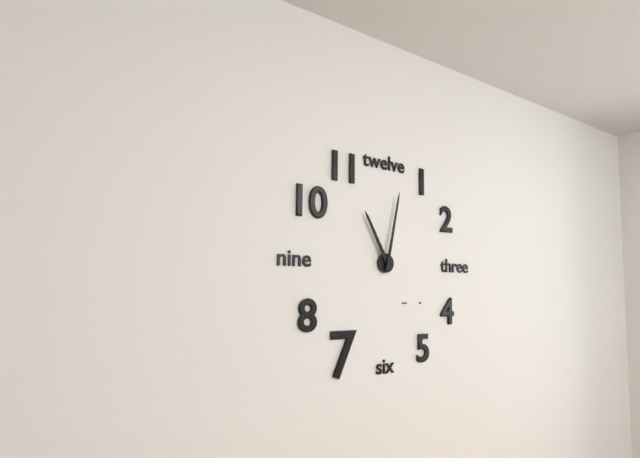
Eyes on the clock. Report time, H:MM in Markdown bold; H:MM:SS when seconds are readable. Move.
**11:02**
